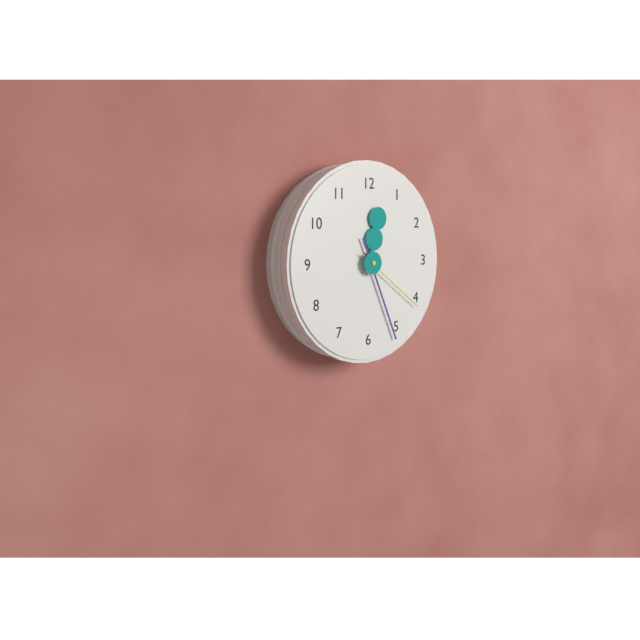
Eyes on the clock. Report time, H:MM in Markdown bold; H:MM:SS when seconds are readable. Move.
**12:26:21**
